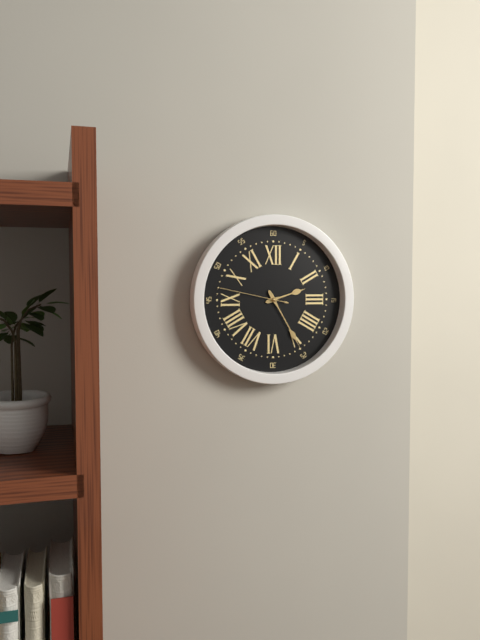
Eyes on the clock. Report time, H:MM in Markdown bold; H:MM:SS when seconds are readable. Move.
**2:25:47**
